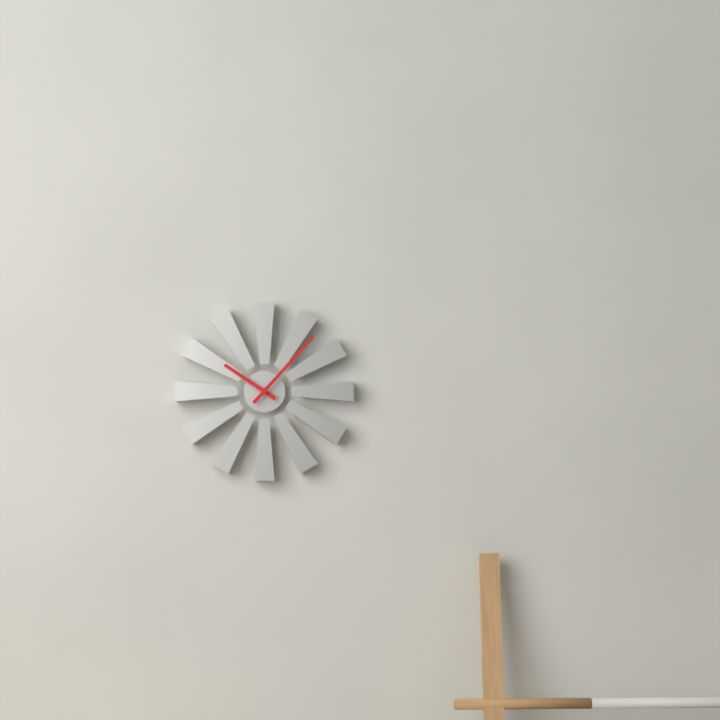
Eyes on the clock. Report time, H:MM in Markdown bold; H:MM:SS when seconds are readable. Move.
**10:07**
